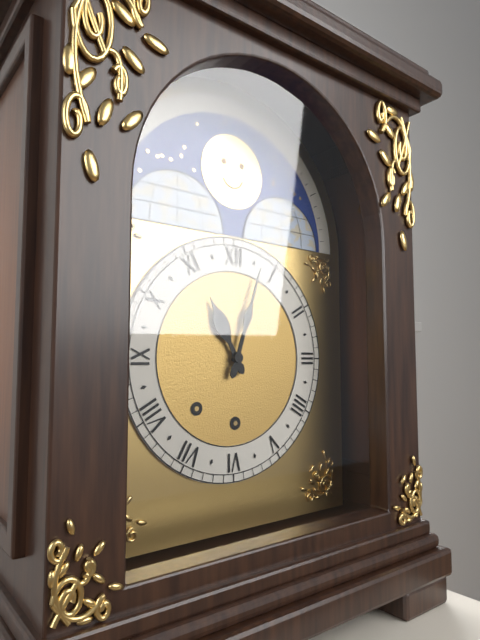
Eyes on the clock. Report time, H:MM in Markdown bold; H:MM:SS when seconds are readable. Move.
**11:03**
